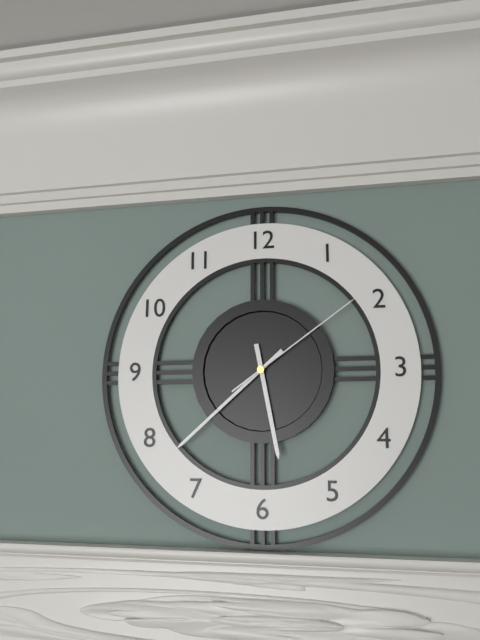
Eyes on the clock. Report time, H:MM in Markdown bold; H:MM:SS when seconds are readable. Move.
**5:38:09**
